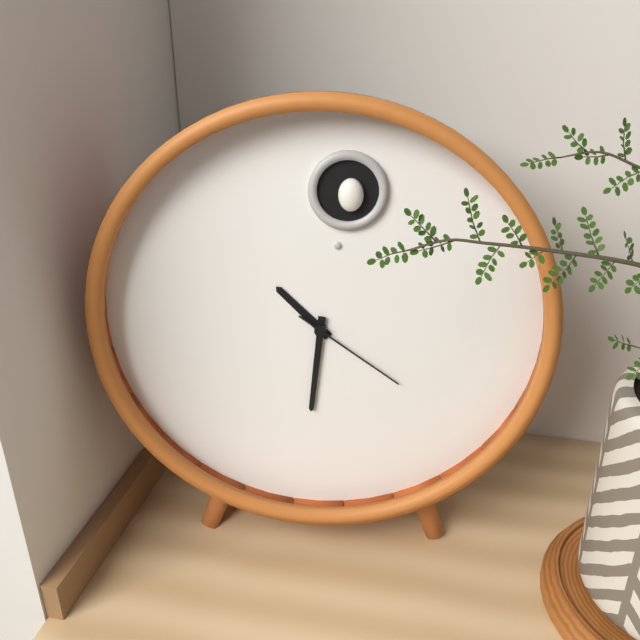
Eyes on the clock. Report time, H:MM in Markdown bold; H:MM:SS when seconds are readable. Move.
**10:31:21**
